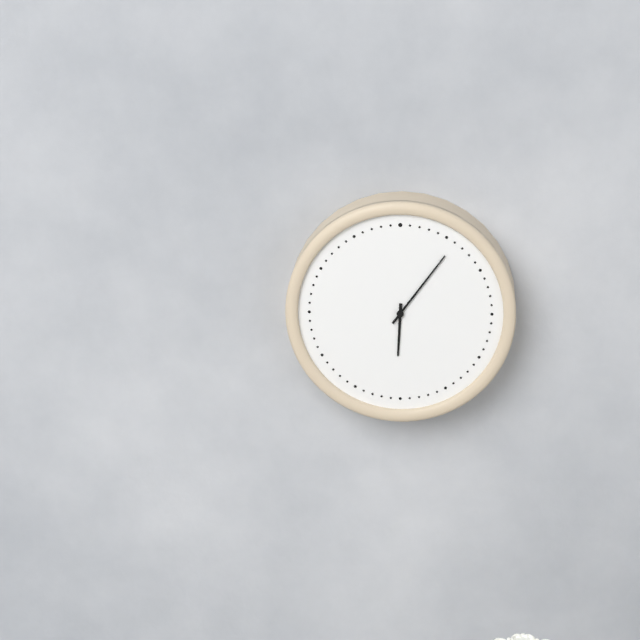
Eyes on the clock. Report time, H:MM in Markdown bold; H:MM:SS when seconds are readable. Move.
**6:06**
